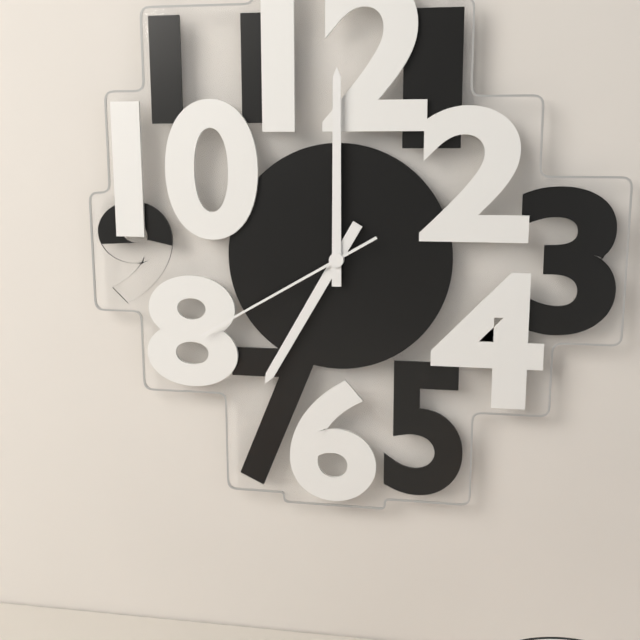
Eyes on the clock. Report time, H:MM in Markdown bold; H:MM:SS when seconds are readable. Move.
**7:00:40**
